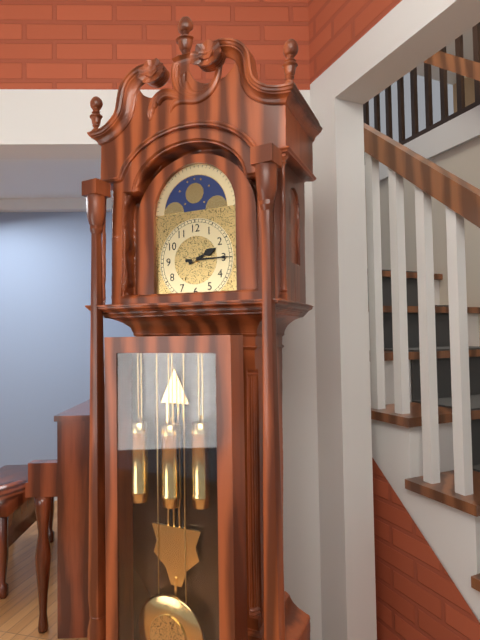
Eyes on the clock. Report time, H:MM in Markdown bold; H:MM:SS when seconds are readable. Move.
**2:15**
